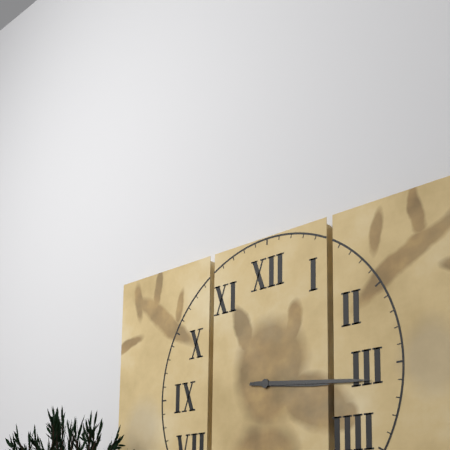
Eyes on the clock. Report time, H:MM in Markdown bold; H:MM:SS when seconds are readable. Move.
**3:16**
